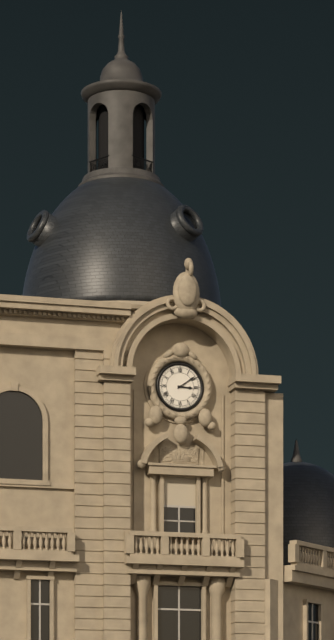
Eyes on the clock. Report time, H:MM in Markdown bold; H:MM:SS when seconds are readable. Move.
**3:09**
